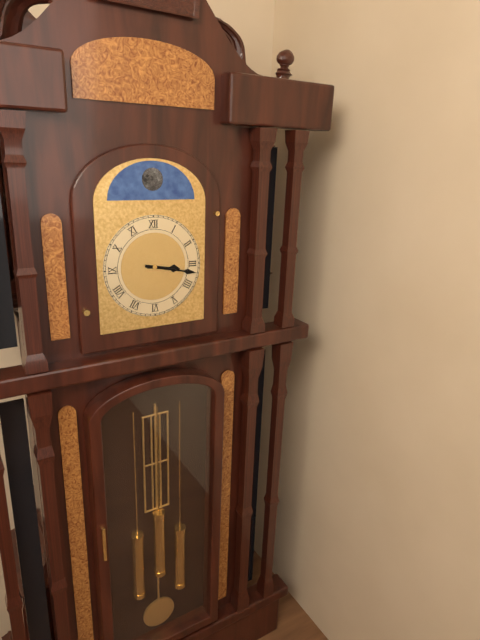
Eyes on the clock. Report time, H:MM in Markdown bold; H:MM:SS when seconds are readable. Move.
**3:17**
